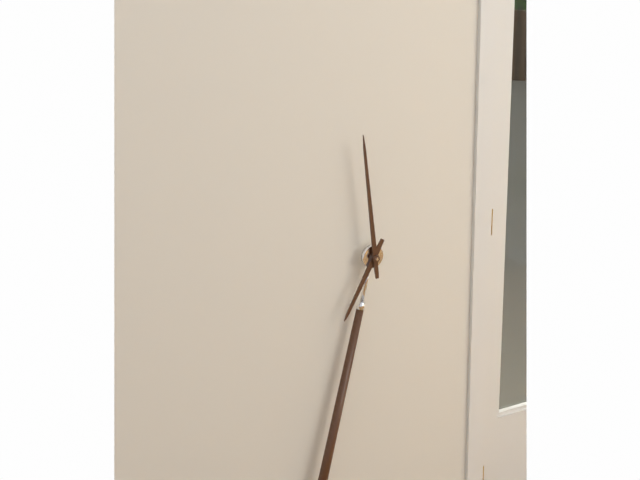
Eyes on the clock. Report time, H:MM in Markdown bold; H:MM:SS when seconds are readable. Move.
**6:59**
